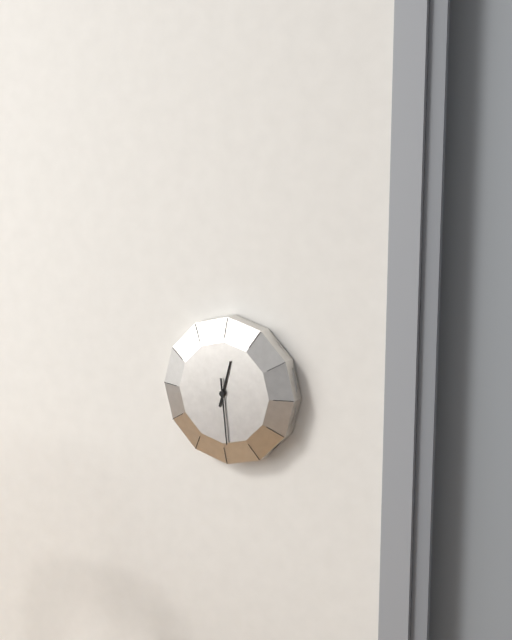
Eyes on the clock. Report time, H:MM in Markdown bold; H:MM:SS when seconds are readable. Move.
**12:29**
